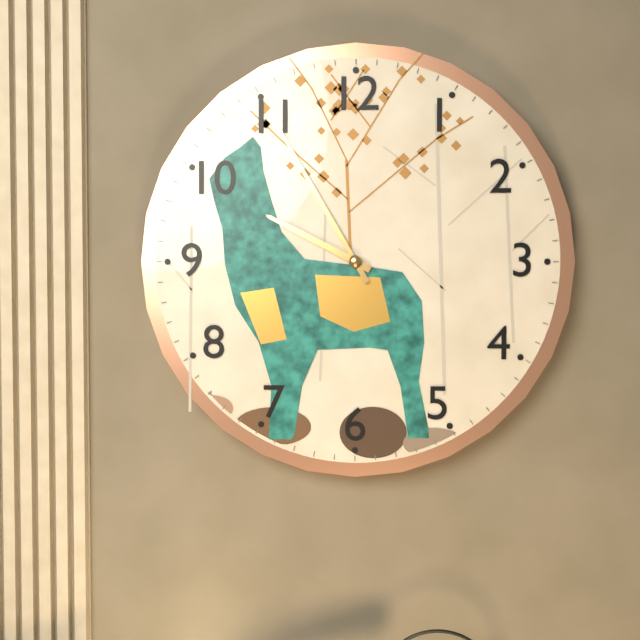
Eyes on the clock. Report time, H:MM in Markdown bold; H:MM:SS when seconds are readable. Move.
**9:55**
